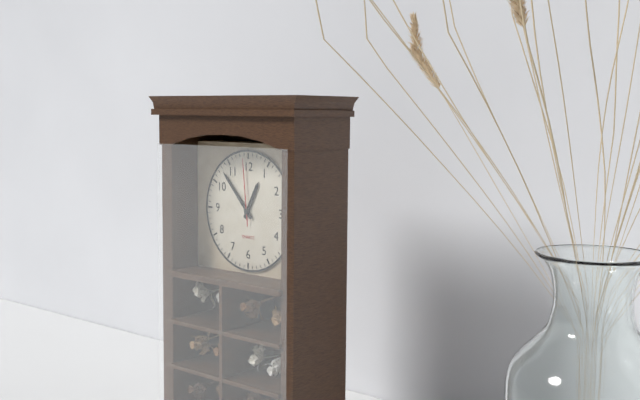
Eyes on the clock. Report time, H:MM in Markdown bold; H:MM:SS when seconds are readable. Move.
**12:53:59**
